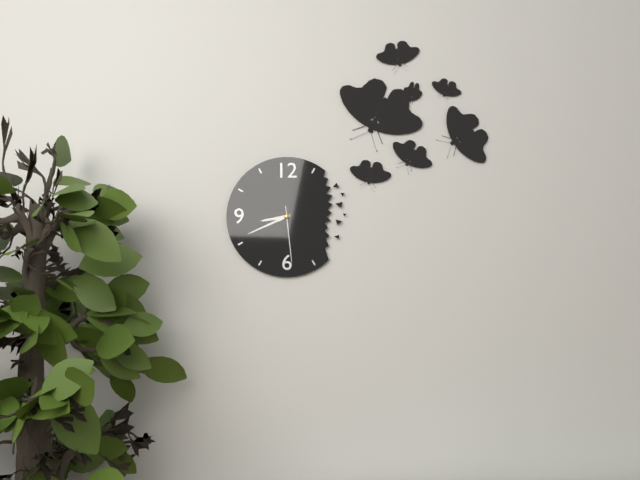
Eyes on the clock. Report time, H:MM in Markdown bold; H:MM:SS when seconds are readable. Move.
**8:41:29**
